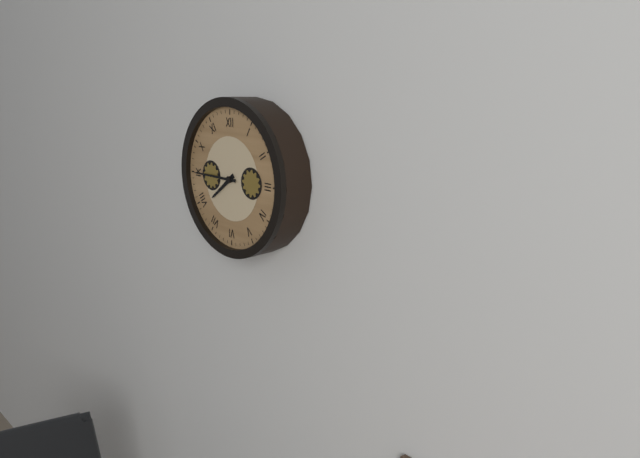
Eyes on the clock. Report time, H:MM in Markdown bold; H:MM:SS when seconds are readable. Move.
**7:45**
